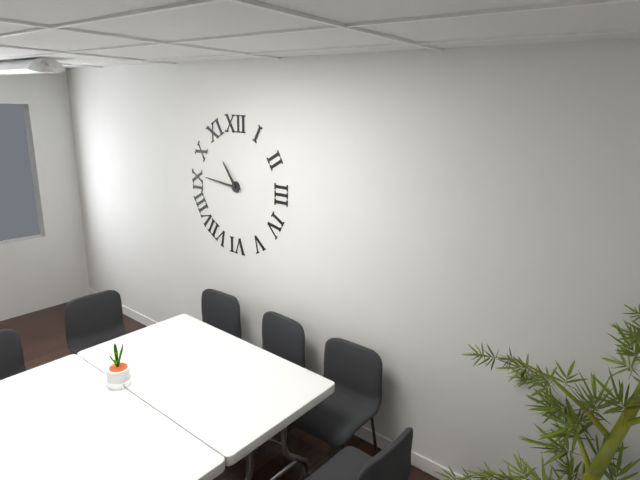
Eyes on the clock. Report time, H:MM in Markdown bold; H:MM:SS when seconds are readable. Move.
**10:46**
